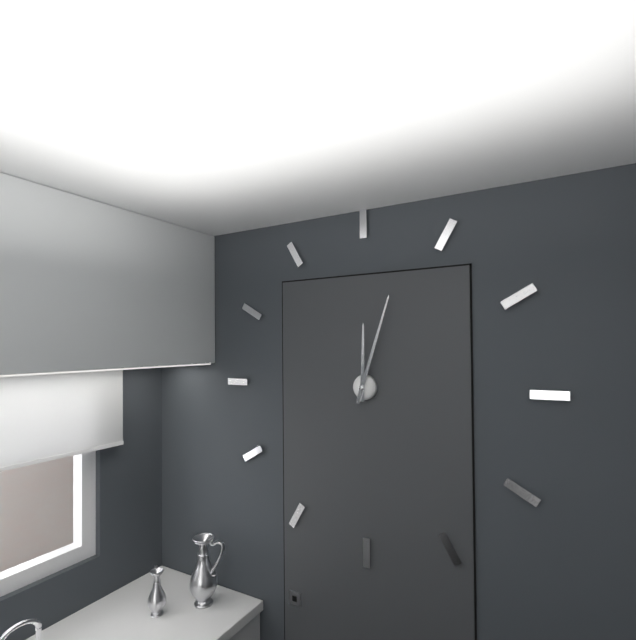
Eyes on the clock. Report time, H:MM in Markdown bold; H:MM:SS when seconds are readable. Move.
**12:03**
